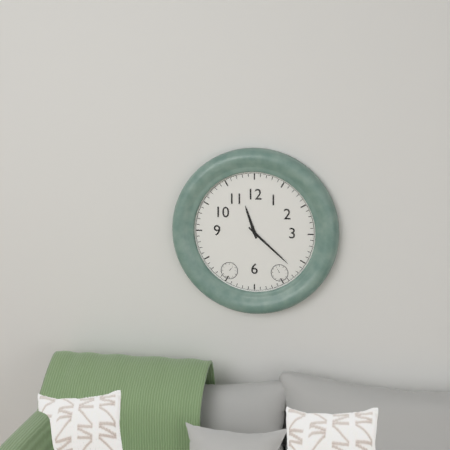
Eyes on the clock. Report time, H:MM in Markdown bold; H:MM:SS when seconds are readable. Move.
**11:22**
